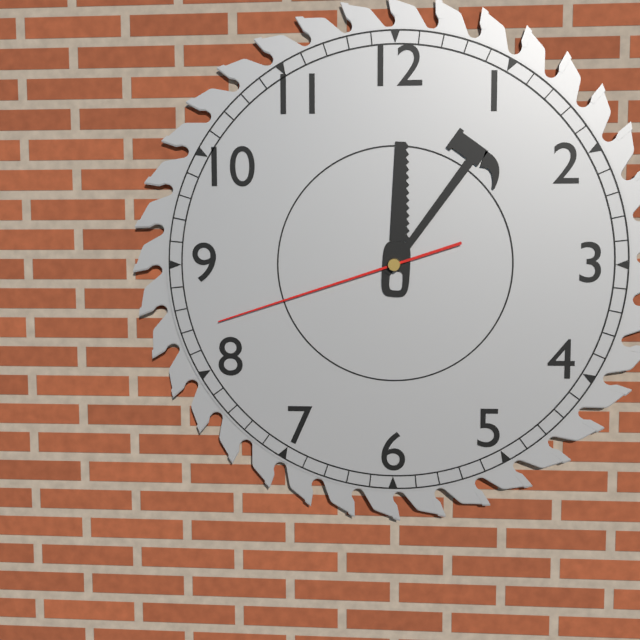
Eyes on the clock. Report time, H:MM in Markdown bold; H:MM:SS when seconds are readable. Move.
**12:06:42**
